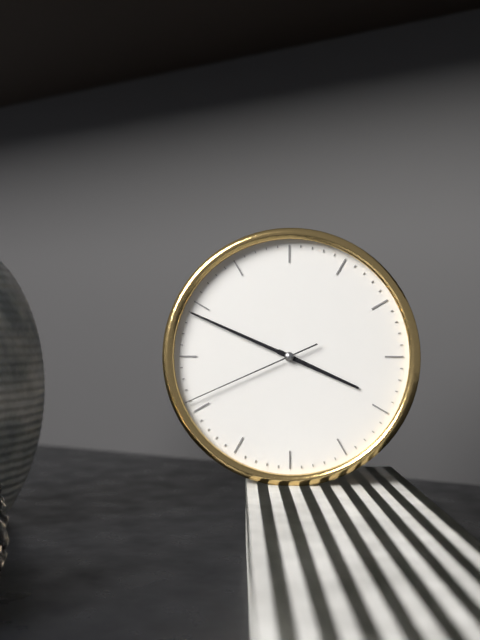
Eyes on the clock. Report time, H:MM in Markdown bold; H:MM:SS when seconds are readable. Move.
**3:49:41**
